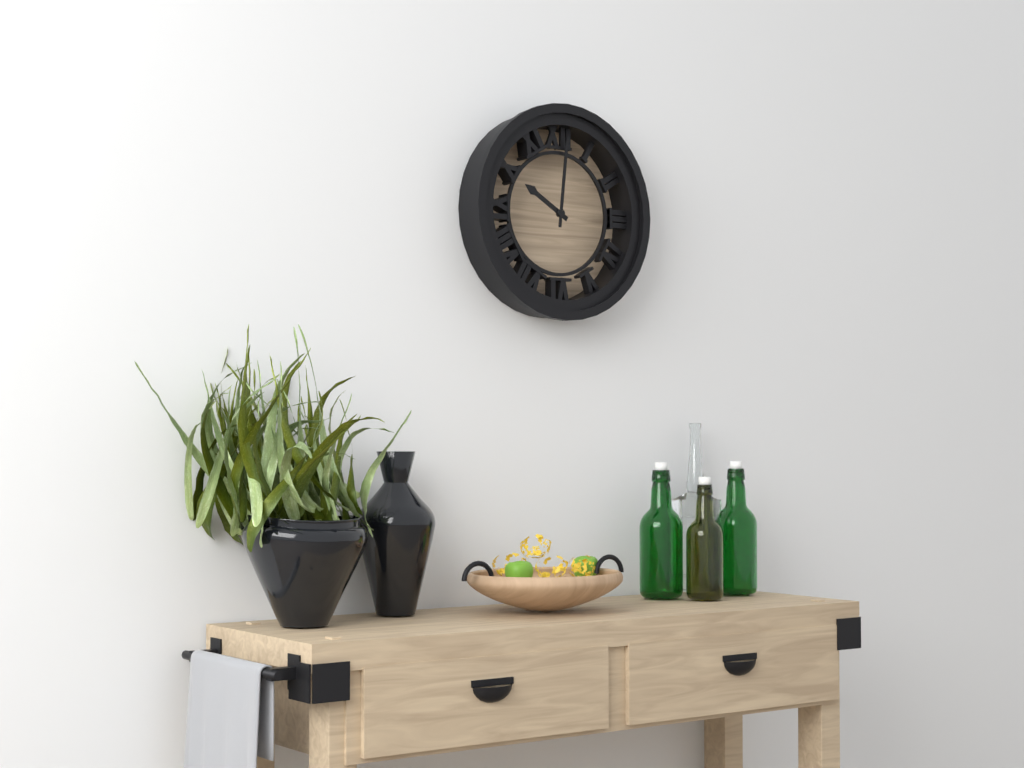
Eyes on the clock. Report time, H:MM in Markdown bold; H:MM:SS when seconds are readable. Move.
**10:01**
